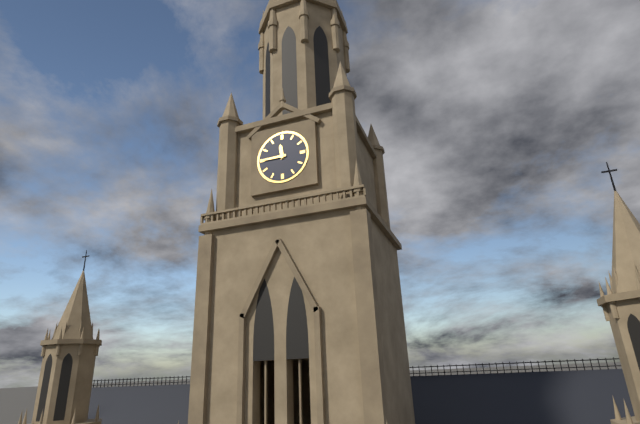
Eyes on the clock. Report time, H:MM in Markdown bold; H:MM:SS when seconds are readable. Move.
**11:45**
